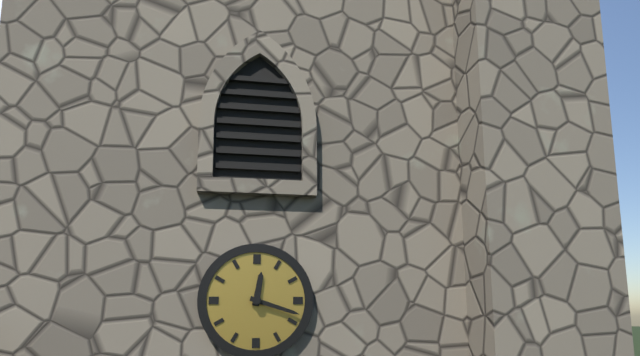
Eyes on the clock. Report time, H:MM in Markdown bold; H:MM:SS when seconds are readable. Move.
**12:18**
